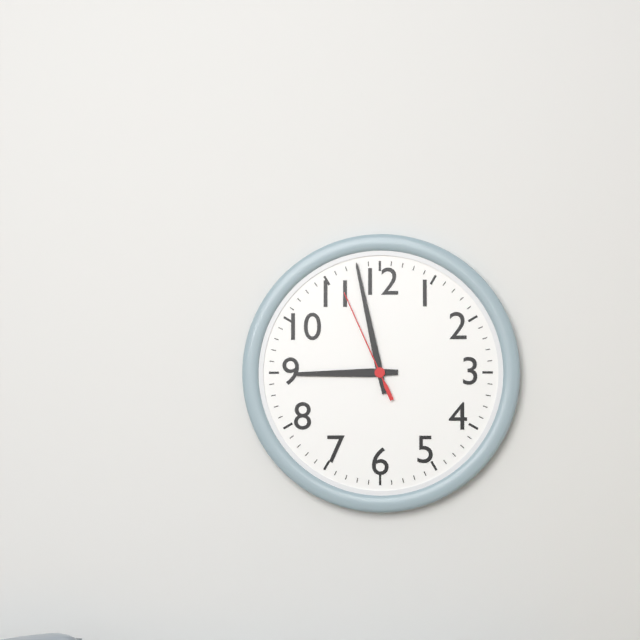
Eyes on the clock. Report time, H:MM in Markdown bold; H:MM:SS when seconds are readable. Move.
**8:58:56**
